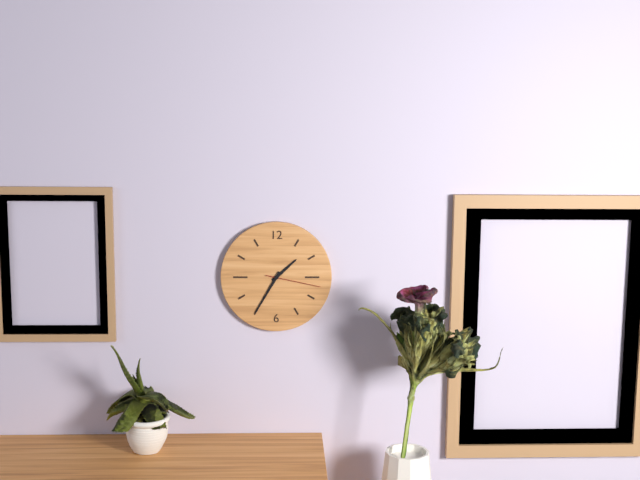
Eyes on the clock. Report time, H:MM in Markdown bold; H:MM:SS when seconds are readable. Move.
**1:35:17**
